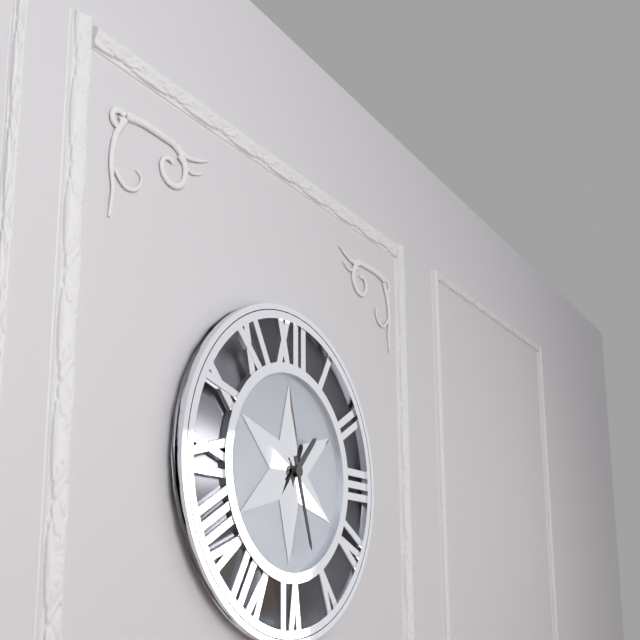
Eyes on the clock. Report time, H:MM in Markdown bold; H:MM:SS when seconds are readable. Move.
**1:27**
